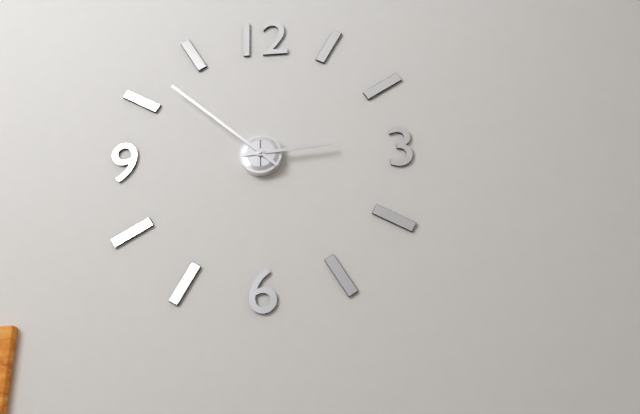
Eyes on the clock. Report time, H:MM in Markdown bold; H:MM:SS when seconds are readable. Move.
**2:52**
